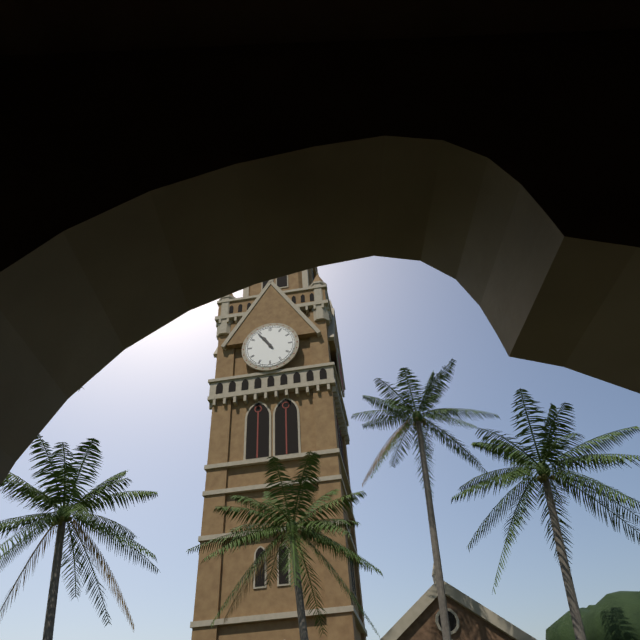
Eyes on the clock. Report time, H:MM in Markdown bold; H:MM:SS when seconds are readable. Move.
**10:54**
